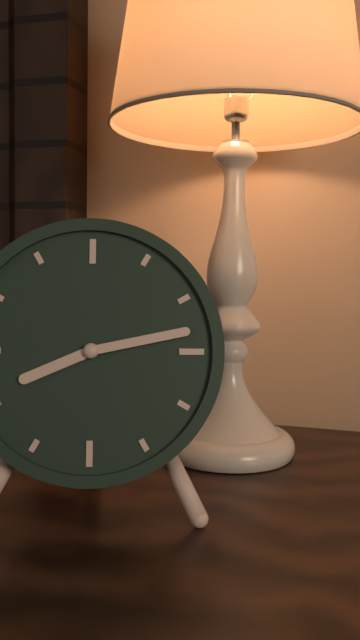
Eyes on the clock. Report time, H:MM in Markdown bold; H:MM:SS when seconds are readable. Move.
**8:13**
